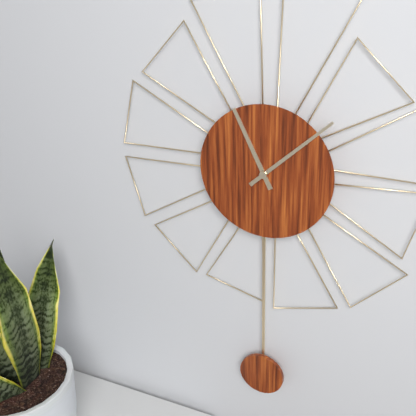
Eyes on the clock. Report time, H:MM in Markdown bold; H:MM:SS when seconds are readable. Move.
**11:08**
